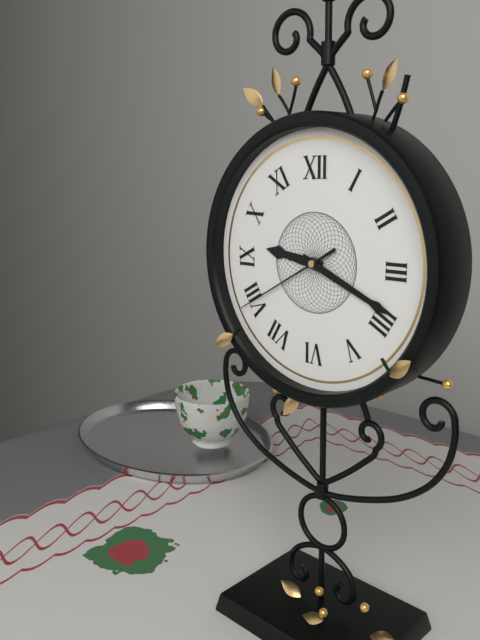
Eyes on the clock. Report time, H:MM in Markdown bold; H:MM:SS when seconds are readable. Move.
**9:19:40**
